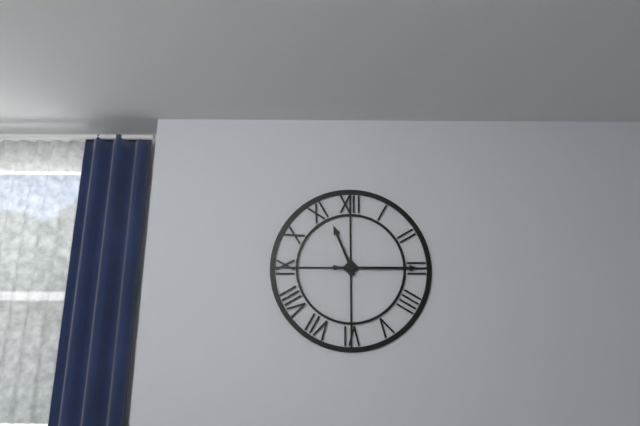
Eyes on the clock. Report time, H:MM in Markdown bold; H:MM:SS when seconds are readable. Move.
**11:15**
